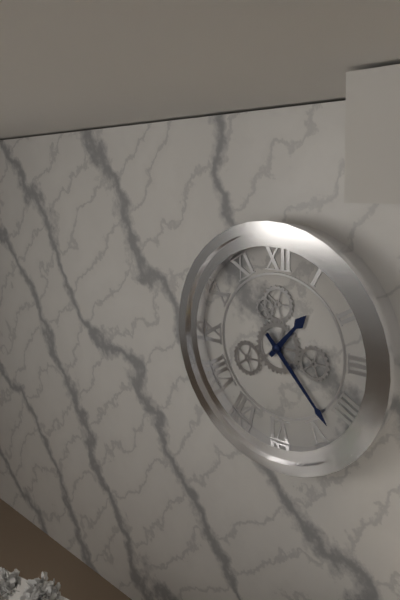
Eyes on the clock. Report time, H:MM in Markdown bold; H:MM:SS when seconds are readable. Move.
**1:23**
